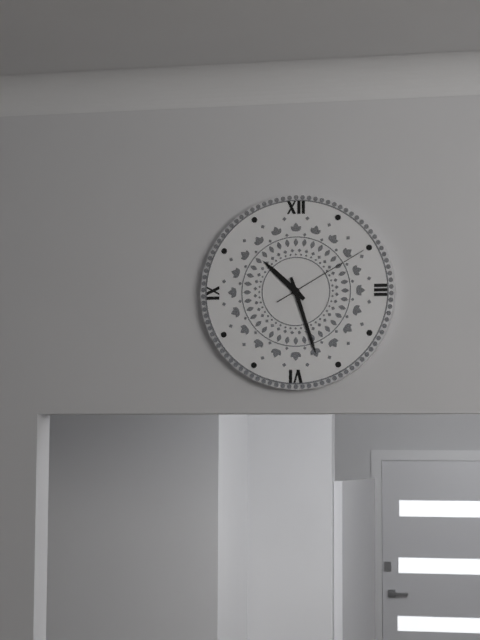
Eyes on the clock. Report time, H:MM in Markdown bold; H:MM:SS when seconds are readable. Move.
**10:27:10**
